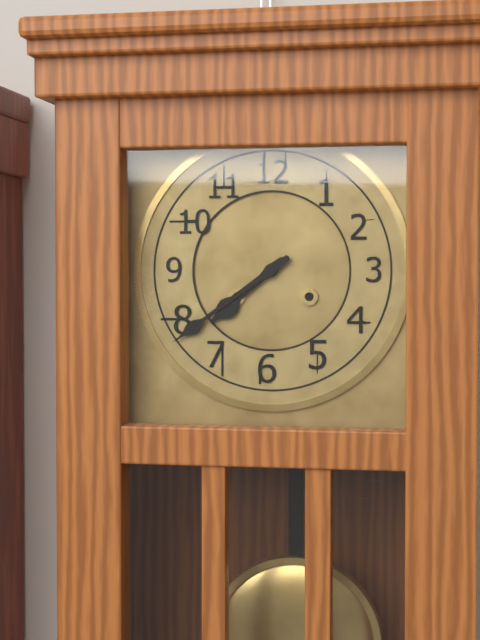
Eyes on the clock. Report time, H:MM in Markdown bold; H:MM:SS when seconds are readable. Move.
**7:39**
